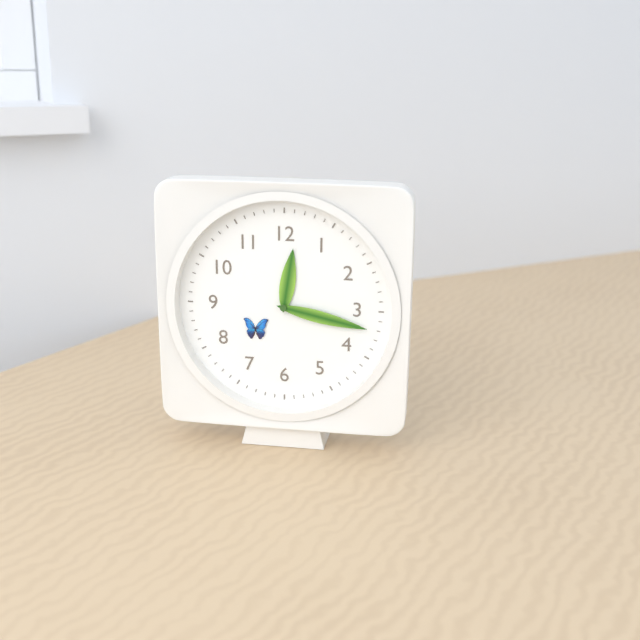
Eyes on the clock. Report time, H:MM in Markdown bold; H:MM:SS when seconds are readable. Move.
**12:17**
